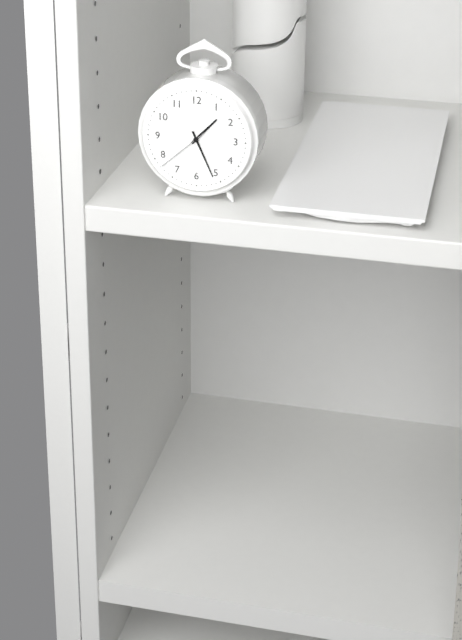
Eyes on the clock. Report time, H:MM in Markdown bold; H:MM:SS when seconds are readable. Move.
**1:26:38**
